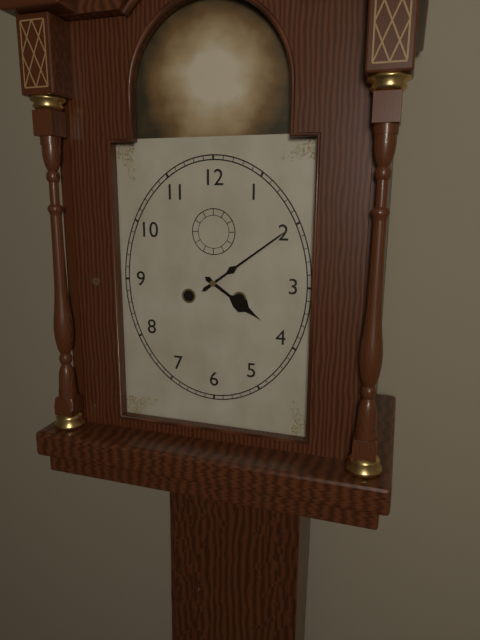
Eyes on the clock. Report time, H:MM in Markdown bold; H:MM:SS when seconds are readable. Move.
**4:09**
